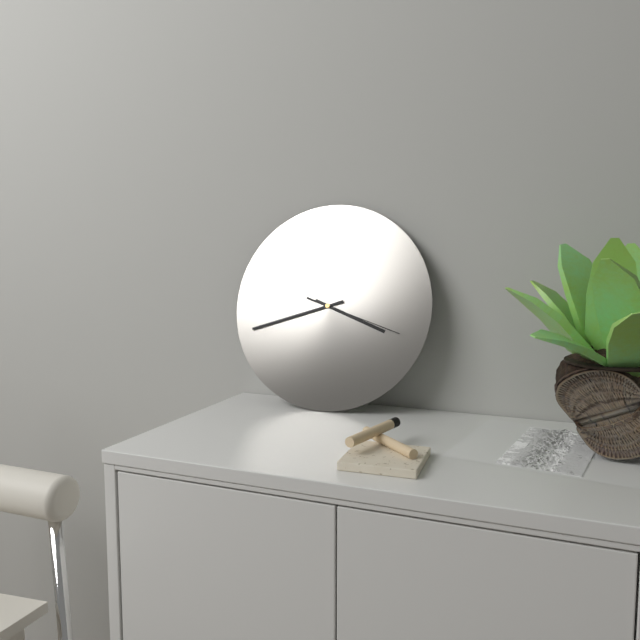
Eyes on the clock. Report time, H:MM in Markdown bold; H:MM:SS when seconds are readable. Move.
**3:42:18**
